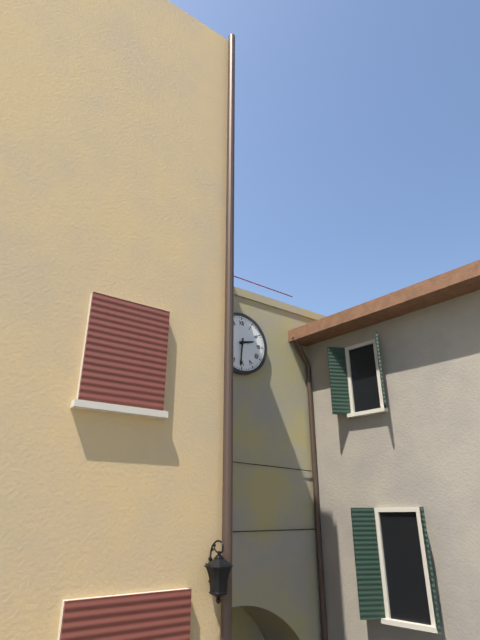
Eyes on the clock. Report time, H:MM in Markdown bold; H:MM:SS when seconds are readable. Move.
**2:31**
